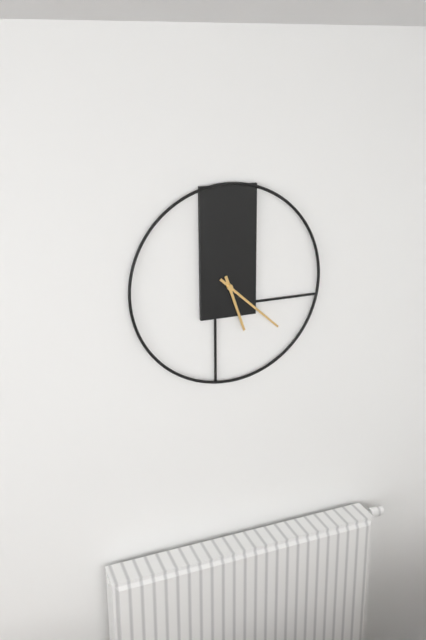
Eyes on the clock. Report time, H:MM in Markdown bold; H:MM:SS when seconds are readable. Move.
**5:22**
